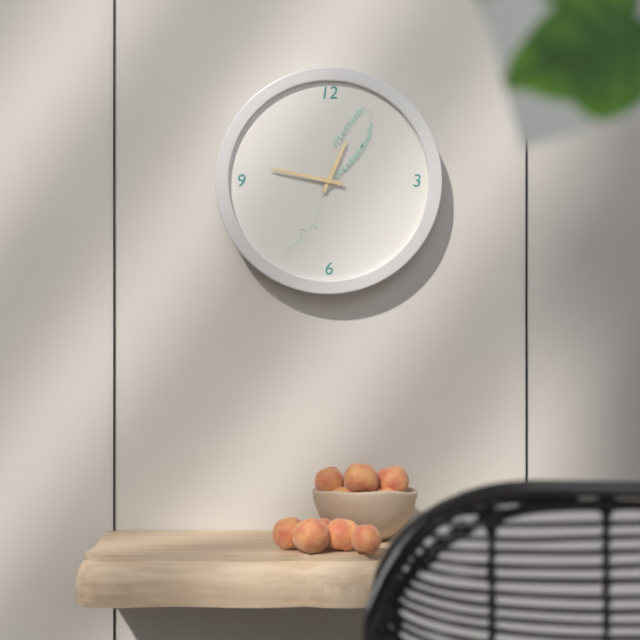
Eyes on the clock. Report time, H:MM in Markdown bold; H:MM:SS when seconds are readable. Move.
**12:47**
